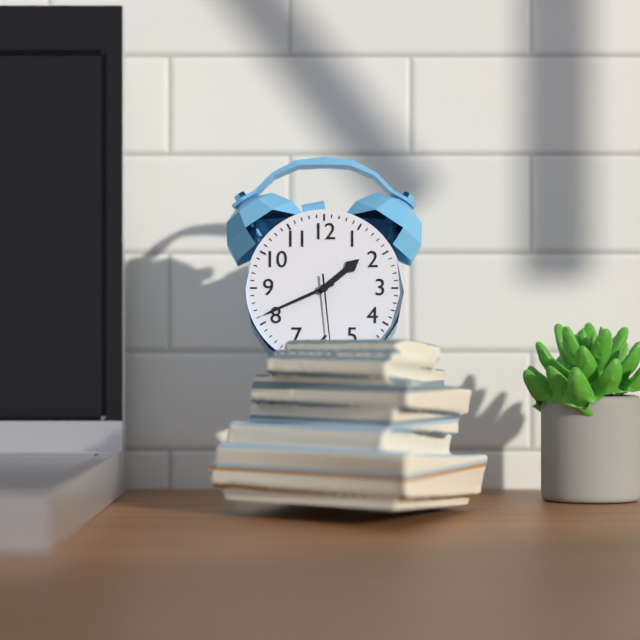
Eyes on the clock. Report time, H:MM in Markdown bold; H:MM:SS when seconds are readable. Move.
**1:41:29**
